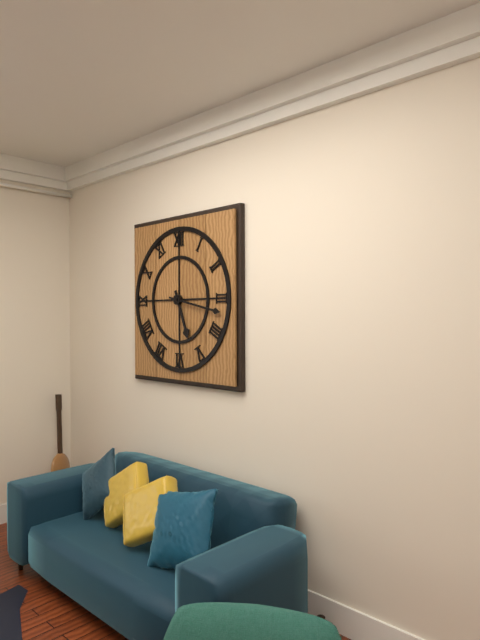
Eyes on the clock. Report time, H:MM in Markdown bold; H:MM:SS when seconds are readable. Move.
**5:17**
